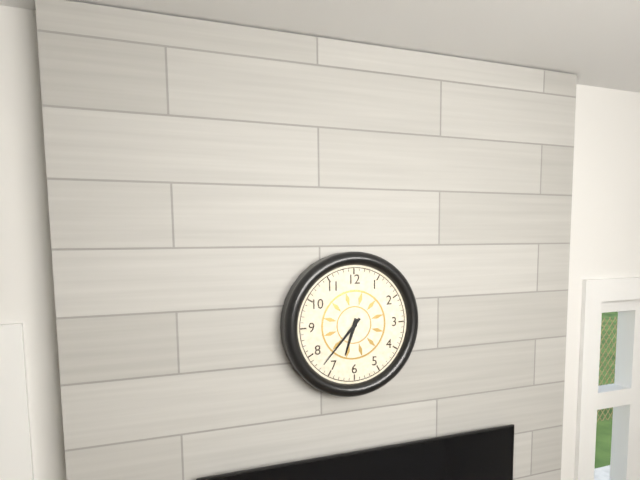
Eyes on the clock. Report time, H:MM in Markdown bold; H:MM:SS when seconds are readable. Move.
**6:37**
